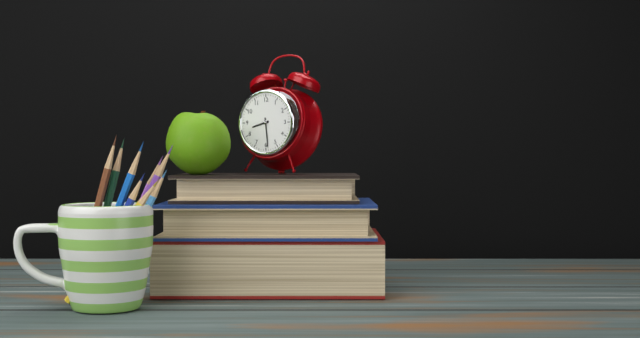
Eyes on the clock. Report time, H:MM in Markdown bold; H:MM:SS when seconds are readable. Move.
**8:29**
